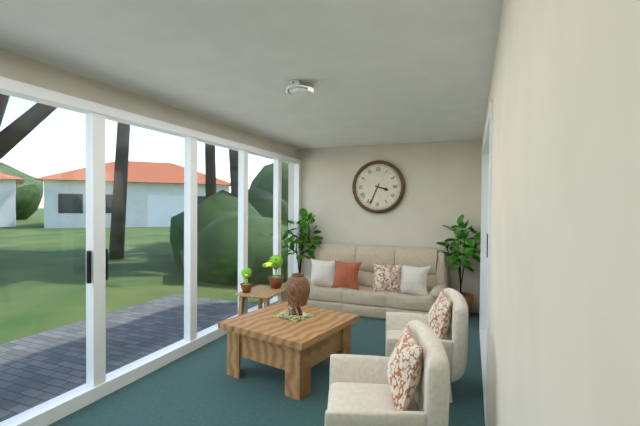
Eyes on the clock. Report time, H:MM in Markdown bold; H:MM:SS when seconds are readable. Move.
**3:34**
